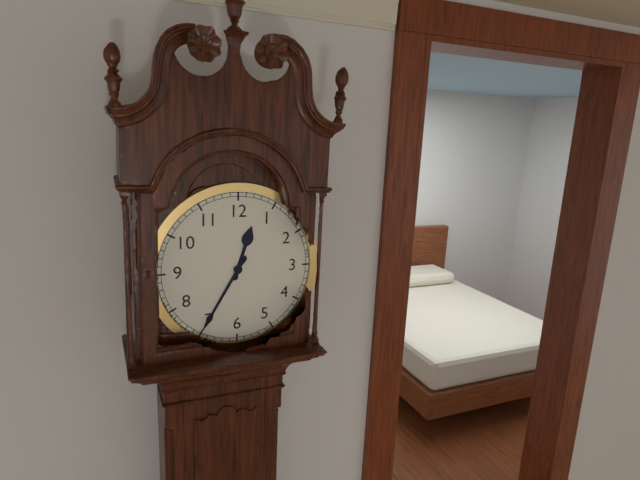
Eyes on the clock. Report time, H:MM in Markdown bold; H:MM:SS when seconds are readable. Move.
**12:35**
